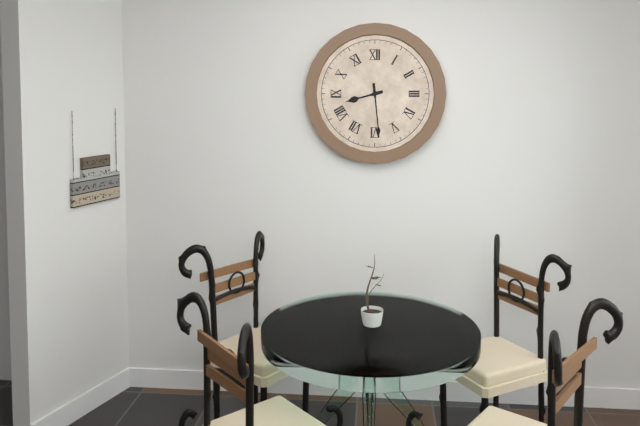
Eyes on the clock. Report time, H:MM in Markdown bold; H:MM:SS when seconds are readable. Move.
**8:29**
